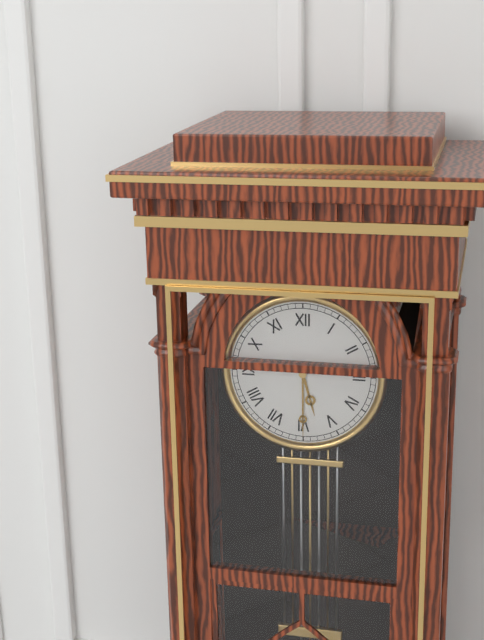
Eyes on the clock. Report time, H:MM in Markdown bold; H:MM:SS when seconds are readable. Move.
**5:30**
